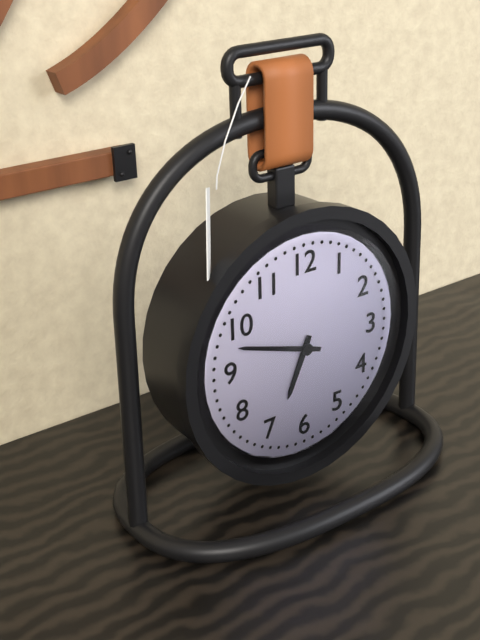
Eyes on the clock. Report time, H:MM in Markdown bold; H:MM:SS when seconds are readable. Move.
**6:48**
